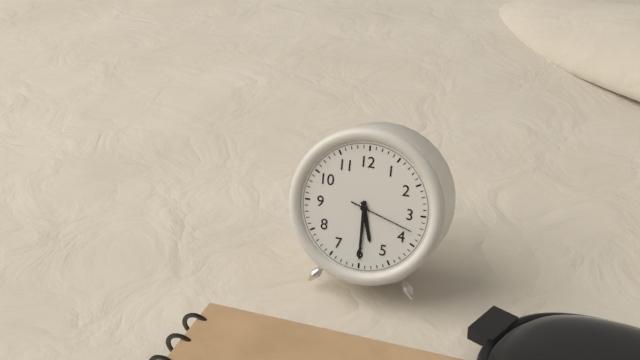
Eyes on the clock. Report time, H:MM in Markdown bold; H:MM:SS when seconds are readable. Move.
**5:30:18**
